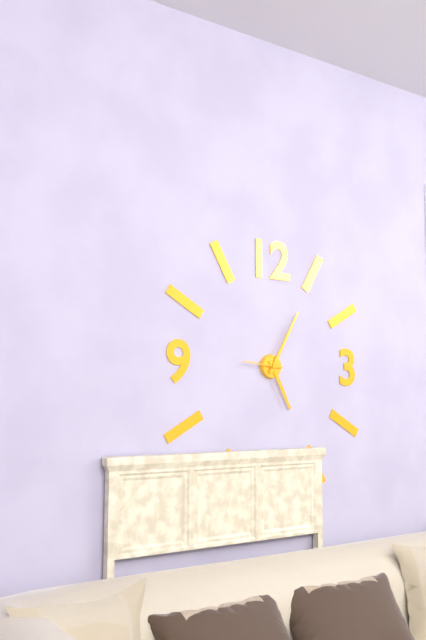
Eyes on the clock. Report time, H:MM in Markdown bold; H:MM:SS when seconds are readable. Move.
**5:05**
